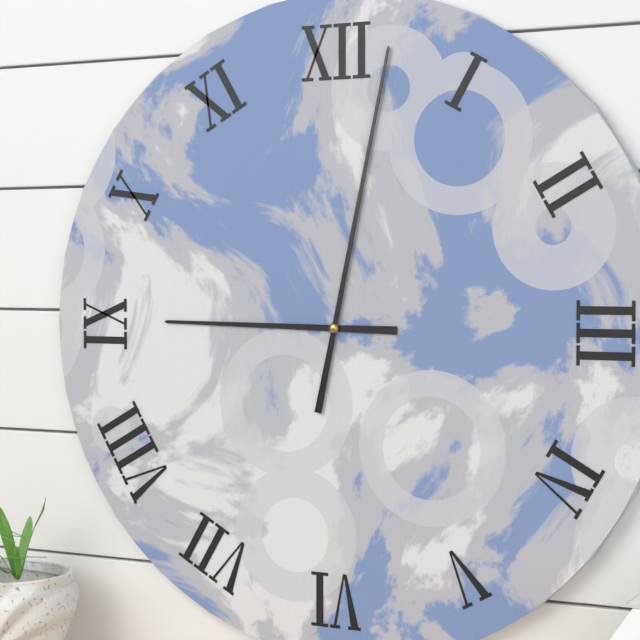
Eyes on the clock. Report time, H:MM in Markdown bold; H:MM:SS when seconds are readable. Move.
**9:02**
